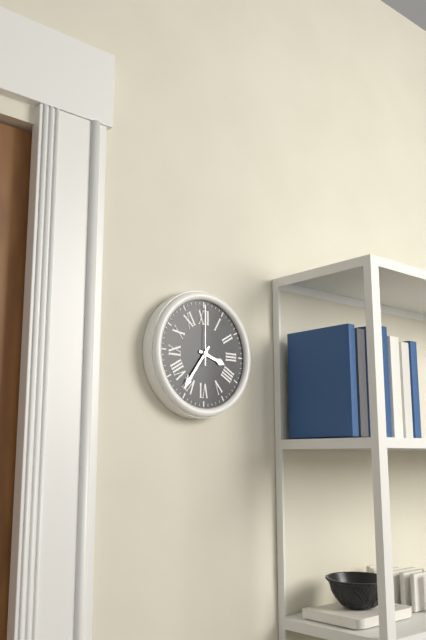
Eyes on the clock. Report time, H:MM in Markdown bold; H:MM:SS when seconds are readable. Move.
**3:36:00**
